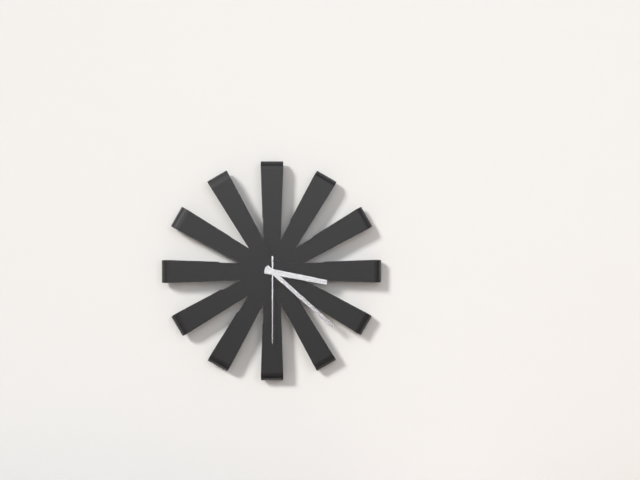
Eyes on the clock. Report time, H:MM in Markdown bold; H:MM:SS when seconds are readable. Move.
**3:22:30**
